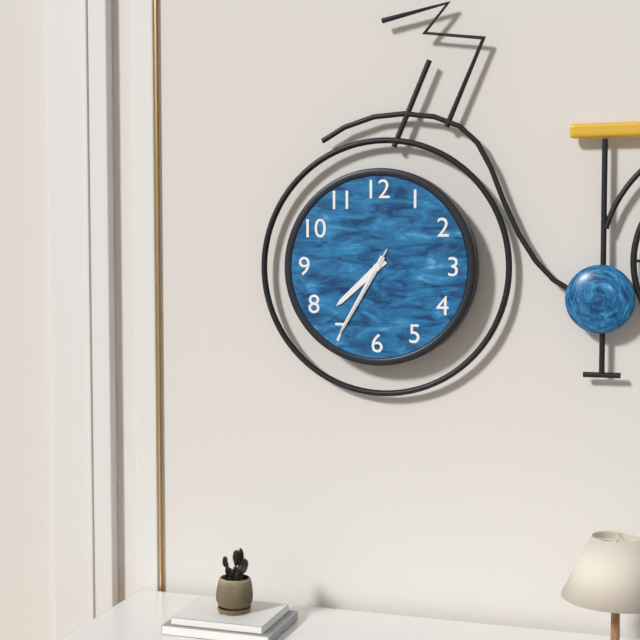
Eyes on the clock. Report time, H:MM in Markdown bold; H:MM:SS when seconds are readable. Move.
**7:35:35**
